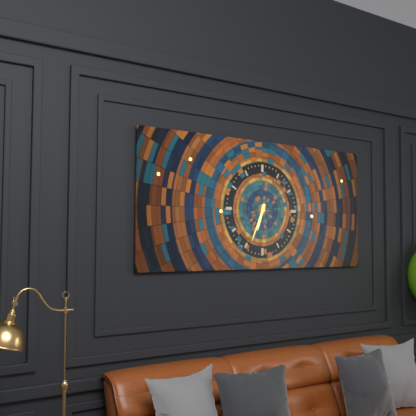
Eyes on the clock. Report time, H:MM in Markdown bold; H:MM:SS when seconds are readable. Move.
**6:34**
